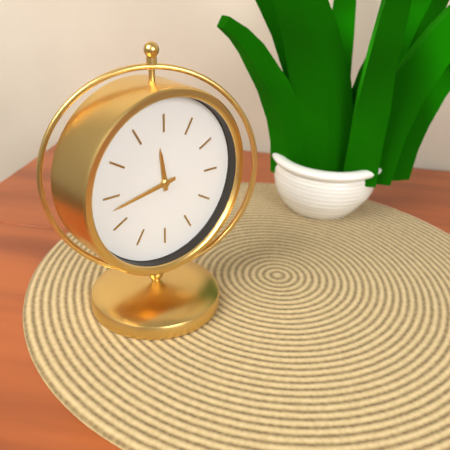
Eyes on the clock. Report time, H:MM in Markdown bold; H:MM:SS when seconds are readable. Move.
**11:43**
